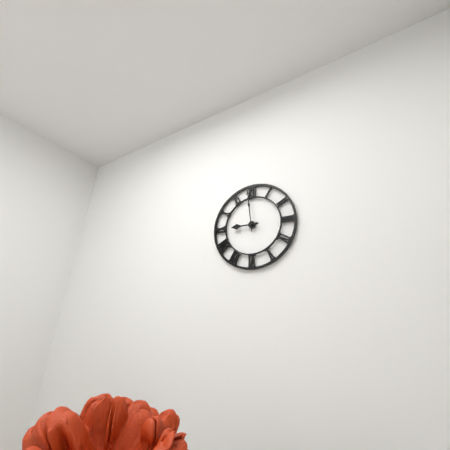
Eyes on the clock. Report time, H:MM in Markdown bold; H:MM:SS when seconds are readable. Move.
**8:59**
